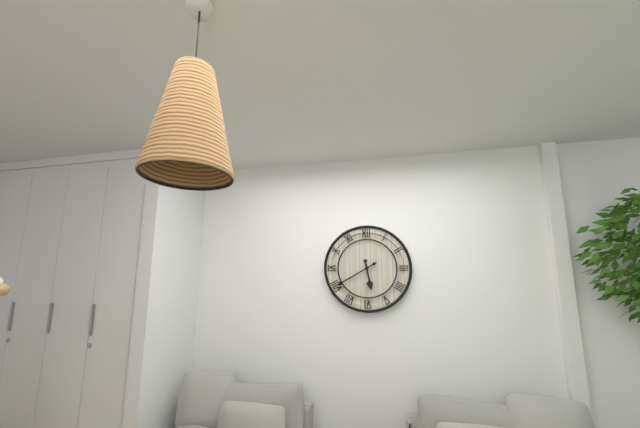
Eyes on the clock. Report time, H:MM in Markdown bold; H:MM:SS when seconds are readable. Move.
**5:40**
